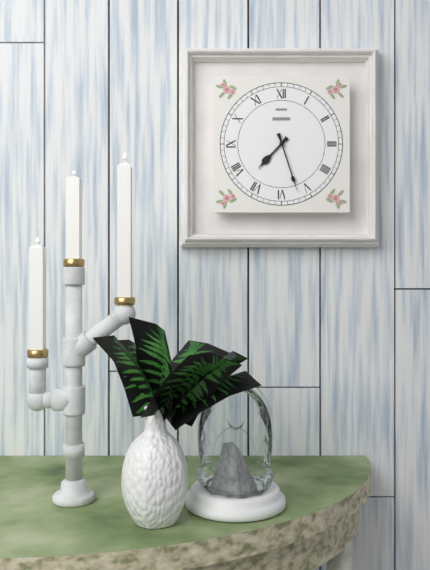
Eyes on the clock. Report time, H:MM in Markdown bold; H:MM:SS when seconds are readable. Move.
**7:27**
